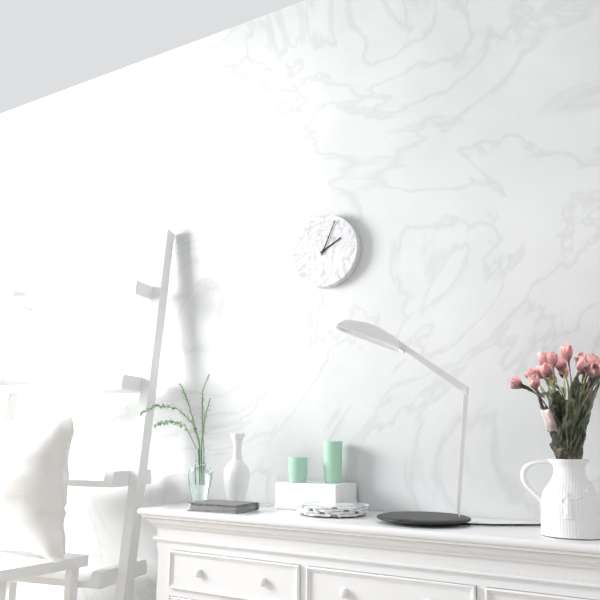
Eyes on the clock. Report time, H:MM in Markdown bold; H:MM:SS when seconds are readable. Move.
**2:04**
